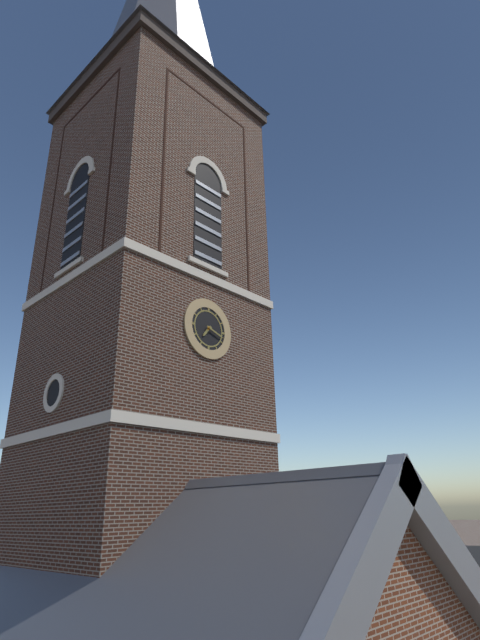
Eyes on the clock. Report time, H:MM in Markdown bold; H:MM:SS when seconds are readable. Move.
**7:18**
